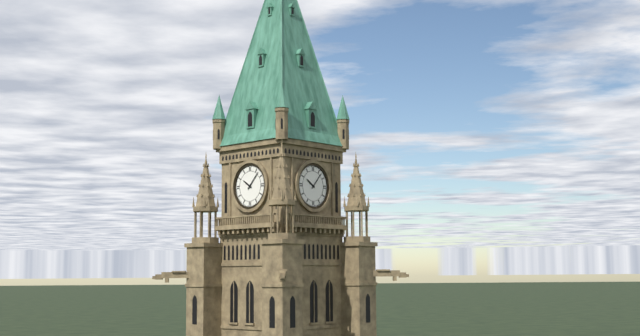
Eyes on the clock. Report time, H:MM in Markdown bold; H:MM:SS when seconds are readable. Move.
**10:07**
